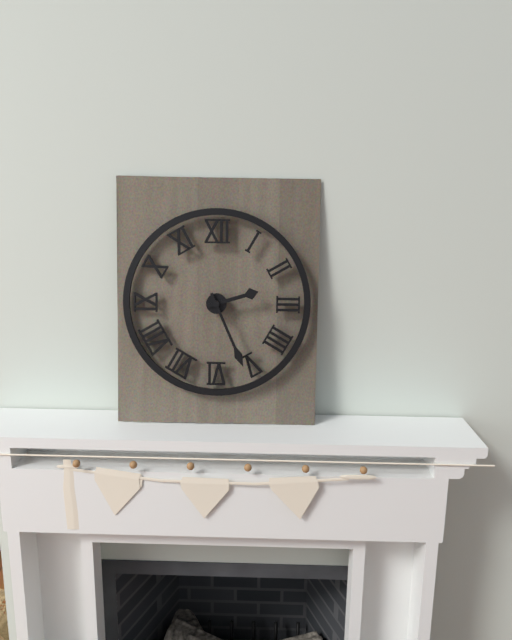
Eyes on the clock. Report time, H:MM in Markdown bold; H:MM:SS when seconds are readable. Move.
**2:26**
